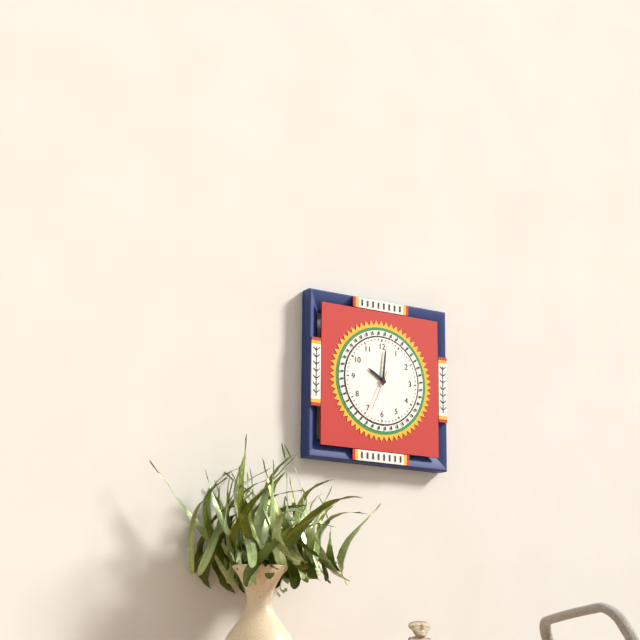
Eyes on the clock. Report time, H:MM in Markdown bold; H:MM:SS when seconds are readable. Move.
**10:01**
